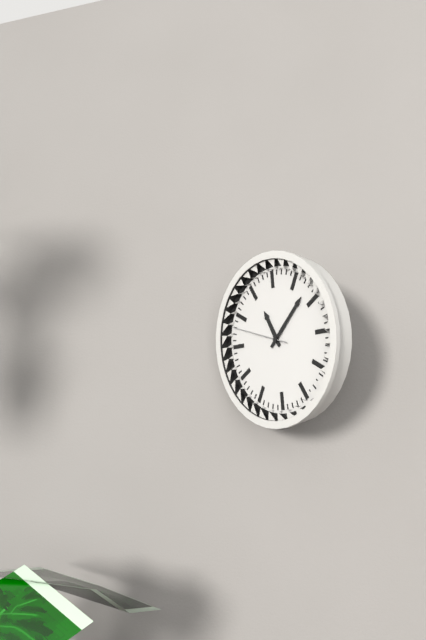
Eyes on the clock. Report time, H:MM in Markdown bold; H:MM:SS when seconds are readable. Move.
**11:08:48**
